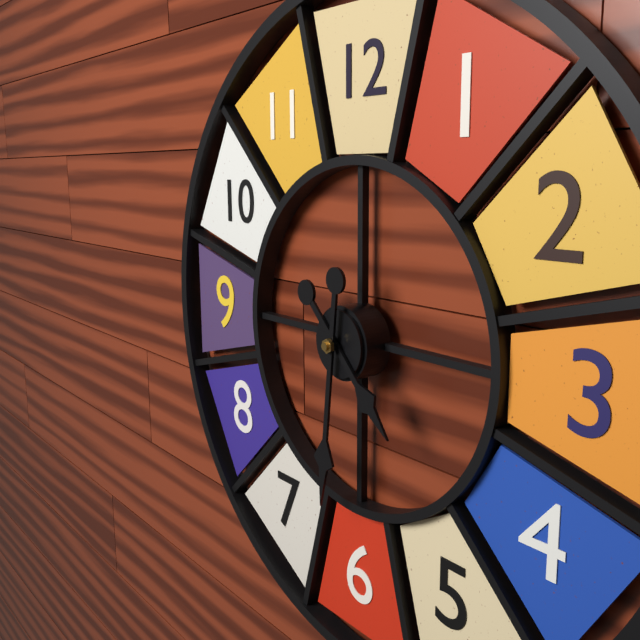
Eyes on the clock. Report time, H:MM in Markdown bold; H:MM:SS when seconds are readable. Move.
**4:31**
